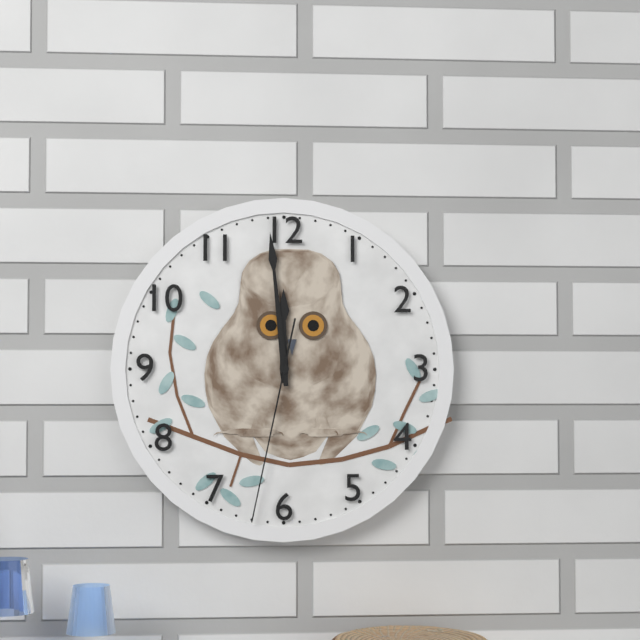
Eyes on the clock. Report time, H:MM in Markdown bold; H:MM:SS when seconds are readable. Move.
**11:59:32**
